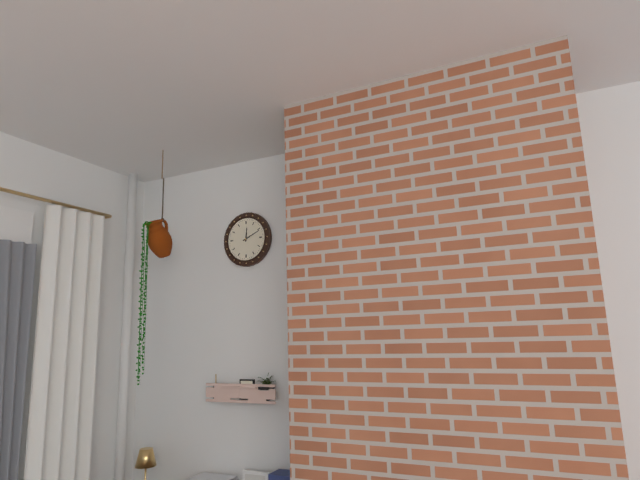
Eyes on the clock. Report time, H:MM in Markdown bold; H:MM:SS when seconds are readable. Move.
**12:11**
